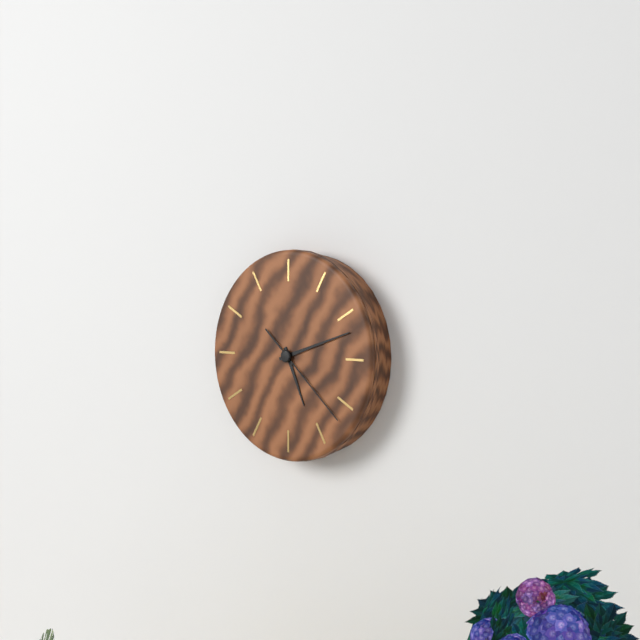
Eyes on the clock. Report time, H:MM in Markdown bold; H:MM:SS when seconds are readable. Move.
**5:12:22**
